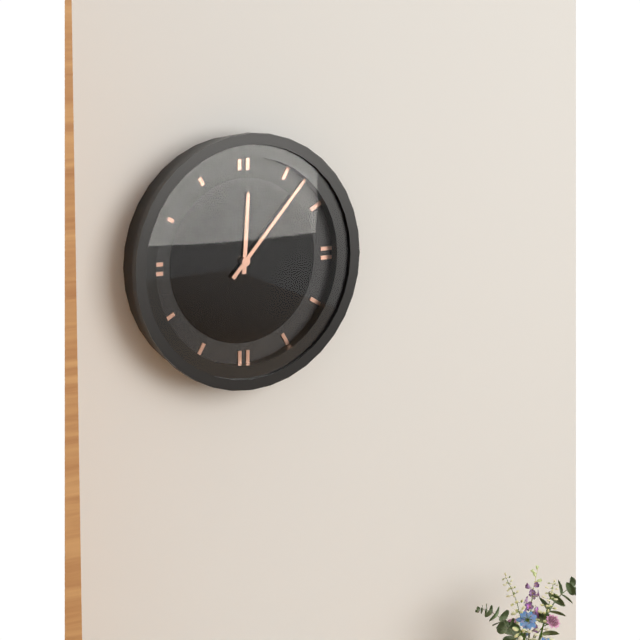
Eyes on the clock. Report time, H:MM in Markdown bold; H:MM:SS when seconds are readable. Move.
**12:07**
